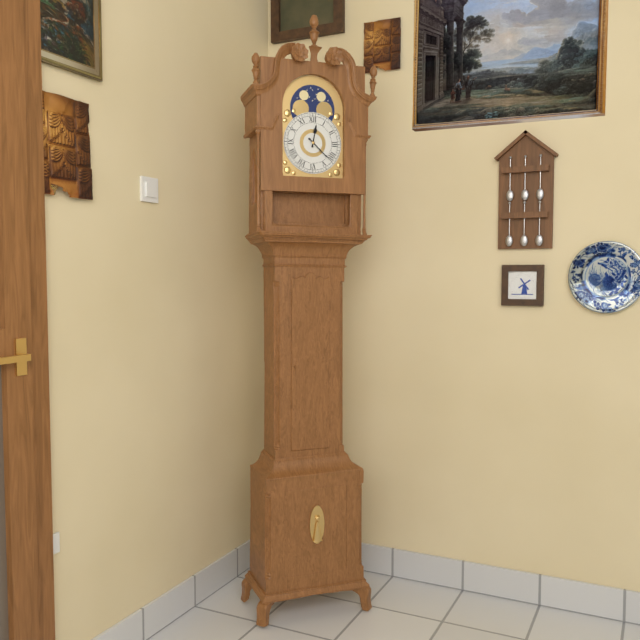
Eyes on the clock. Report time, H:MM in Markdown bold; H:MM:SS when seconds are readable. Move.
**12:22**
